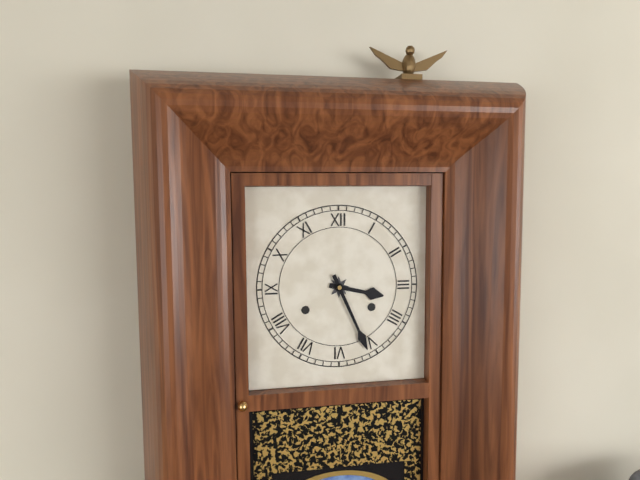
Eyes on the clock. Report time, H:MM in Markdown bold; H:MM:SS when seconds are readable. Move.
**3:26**
